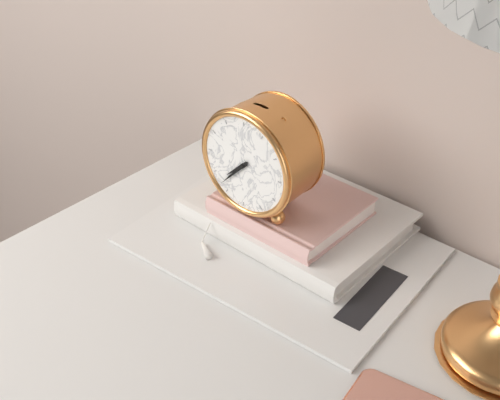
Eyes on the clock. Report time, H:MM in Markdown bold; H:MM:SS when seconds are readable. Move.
**7:37**
